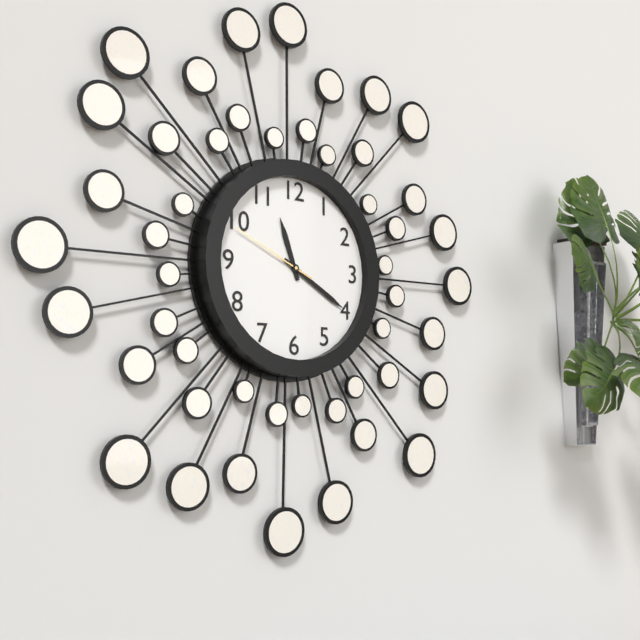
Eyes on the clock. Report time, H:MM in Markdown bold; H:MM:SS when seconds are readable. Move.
**11:20:49**
